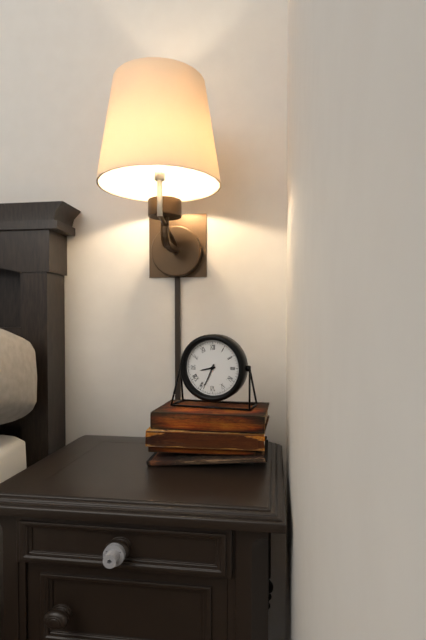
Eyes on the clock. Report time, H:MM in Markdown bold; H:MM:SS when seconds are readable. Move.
**8:34**
